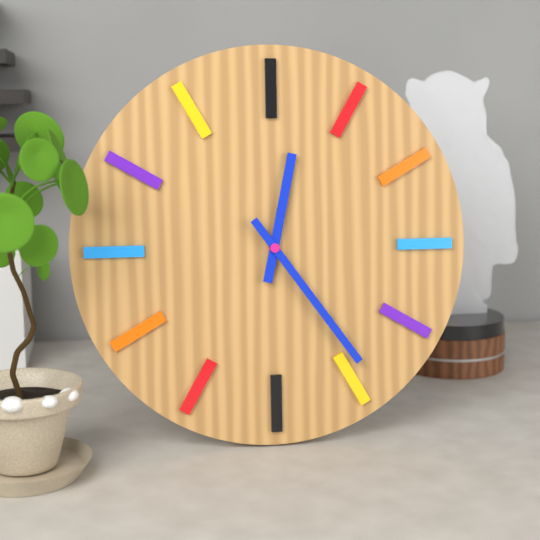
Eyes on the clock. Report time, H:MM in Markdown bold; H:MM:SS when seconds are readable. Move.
**12:24**
